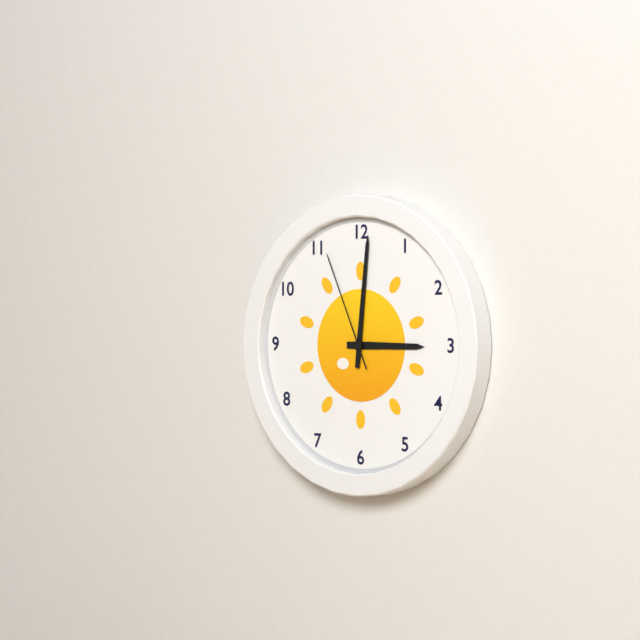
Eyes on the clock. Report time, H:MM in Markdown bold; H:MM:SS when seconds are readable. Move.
**3:01:56**
